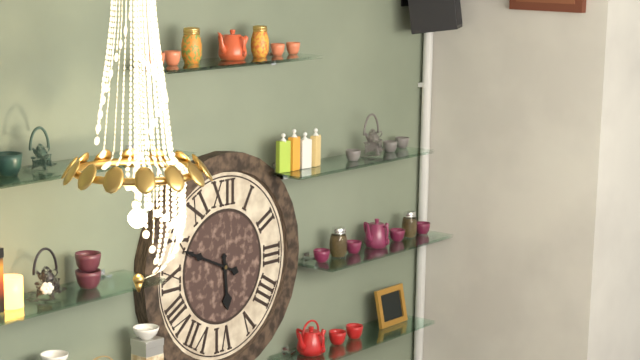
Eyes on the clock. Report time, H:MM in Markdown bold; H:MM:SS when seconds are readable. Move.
**5:49**
